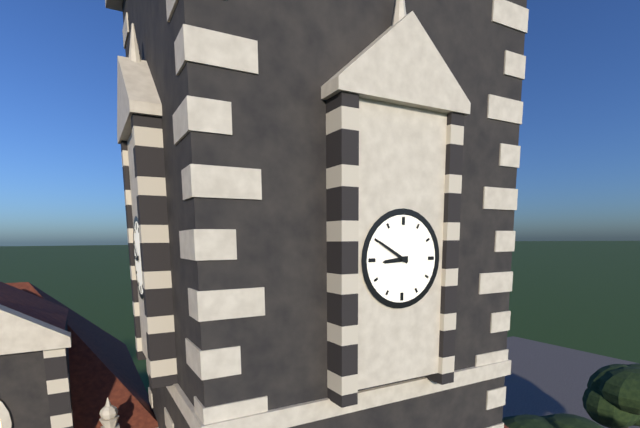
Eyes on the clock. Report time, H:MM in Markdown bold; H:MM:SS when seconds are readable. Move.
**8:50**
